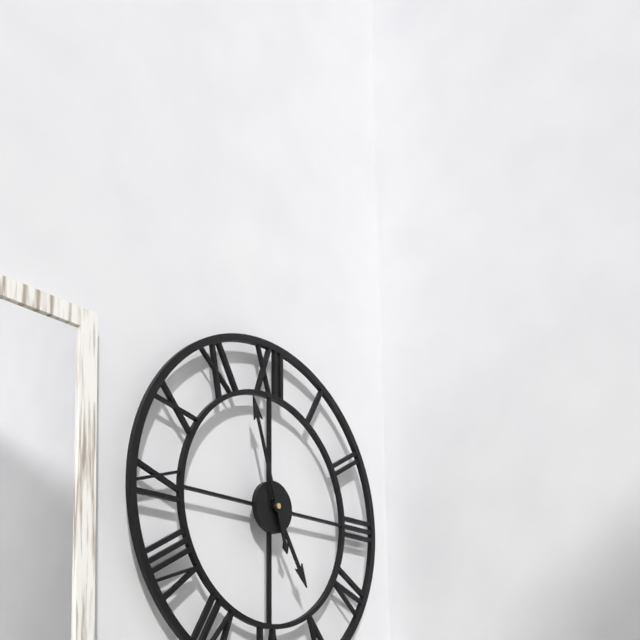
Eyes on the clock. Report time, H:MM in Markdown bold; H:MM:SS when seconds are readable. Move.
**4:57**
